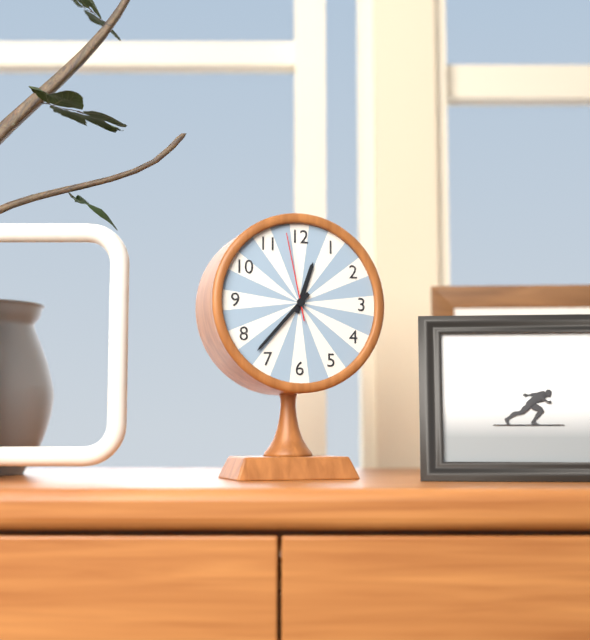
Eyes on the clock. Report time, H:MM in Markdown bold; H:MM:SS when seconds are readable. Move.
**12:37:58**
